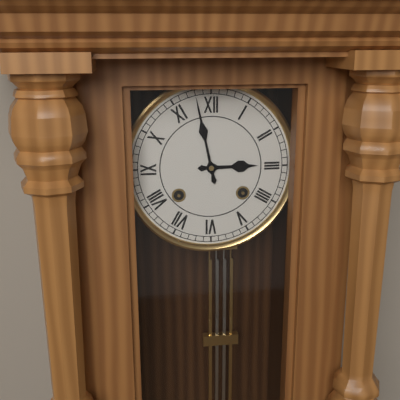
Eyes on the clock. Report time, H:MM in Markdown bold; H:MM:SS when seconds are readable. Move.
**2:58**
